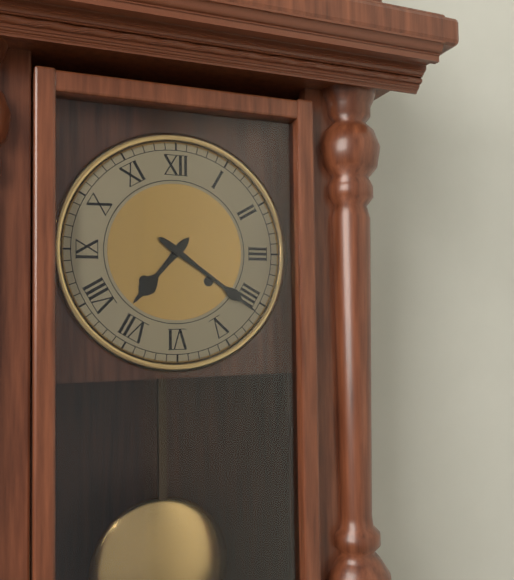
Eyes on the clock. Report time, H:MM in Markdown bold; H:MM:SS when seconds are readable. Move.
**7:21**
